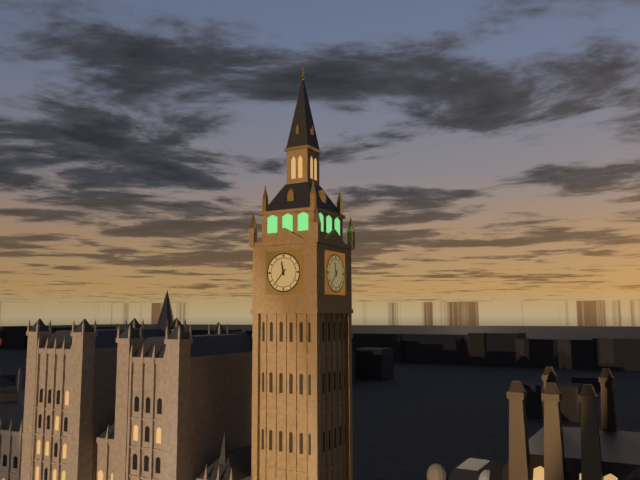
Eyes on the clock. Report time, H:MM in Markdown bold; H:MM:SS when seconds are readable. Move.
**11:37**
